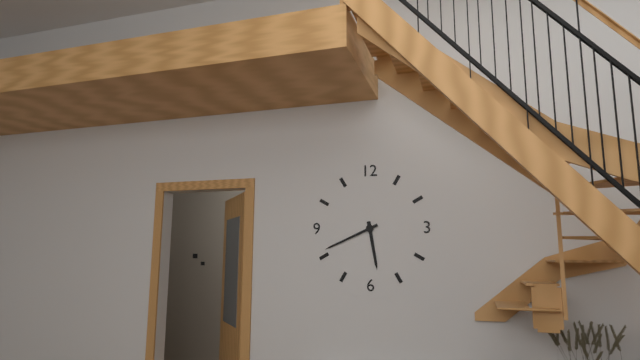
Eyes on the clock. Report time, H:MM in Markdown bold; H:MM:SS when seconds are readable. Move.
**5:41**
